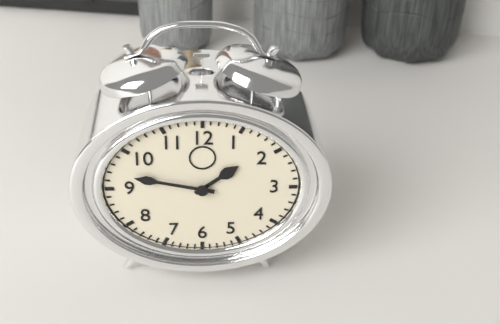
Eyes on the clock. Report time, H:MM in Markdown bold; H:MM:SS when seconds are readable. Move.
**1:47**
